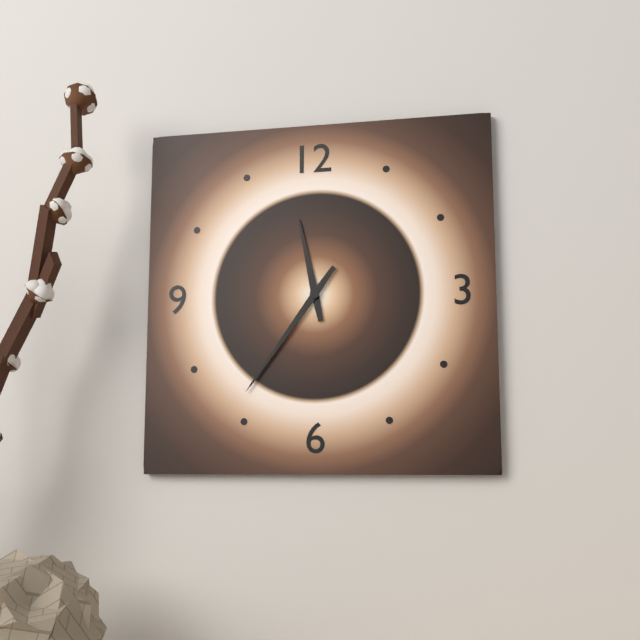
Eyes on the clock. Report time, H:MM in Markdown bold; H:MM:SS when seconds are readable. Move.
**11:36**
